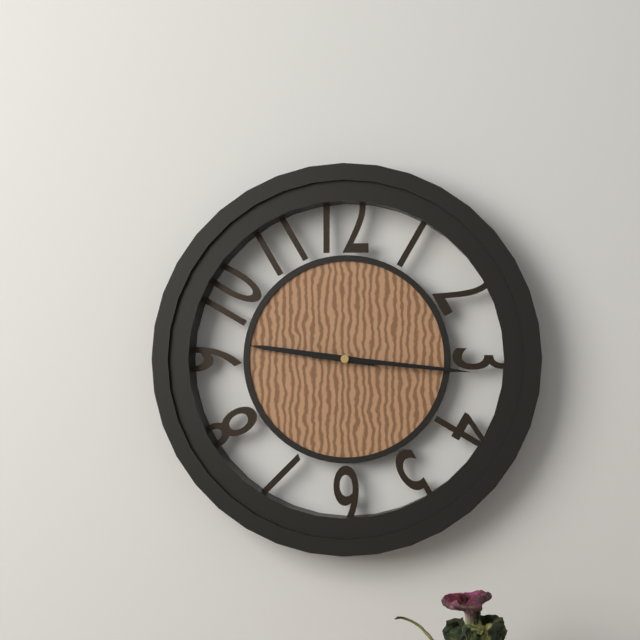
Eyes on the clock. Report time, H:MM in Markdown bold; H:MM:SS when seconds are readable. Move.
**9:16**
